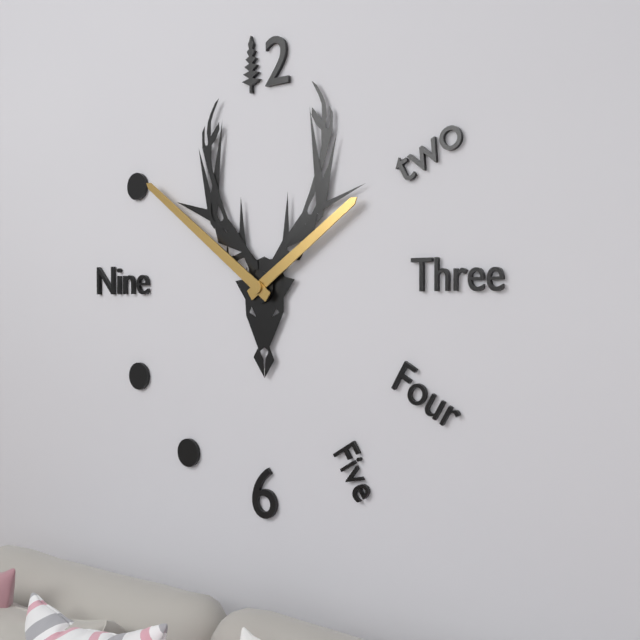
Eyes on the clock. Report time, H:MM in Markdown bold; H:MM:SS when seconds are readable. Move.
**1:51**
